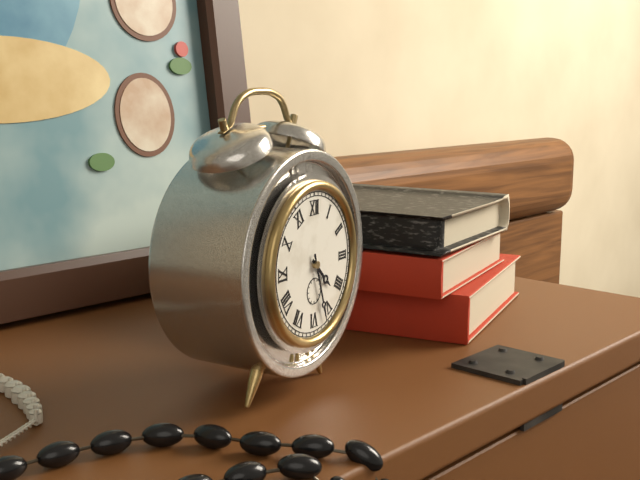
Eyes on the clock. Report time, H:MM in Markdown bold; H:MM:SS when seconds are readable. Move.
**4:27**
